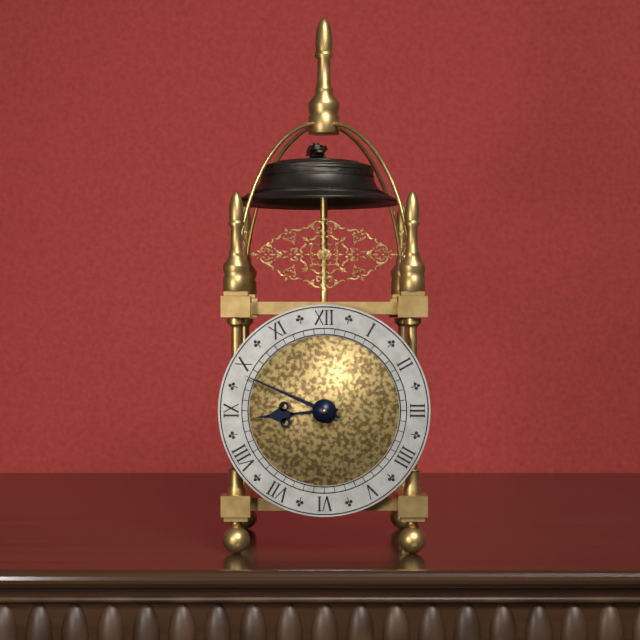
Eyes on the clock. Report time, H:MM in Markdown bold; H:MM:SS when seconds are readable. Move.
**8:49**
